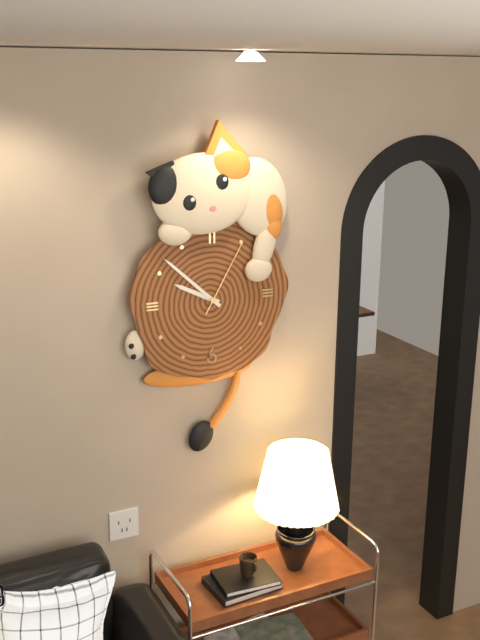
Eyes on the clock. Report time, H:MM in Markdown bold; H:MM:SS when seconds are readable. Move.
**9:52:05**
